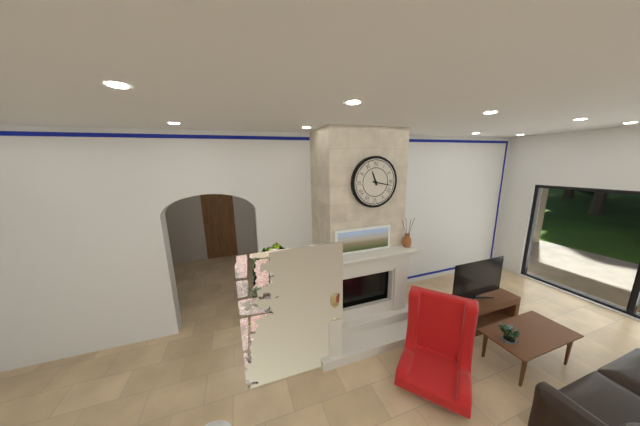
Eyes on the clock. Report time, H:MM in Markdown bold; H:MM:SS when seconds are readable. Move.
**11:17**
